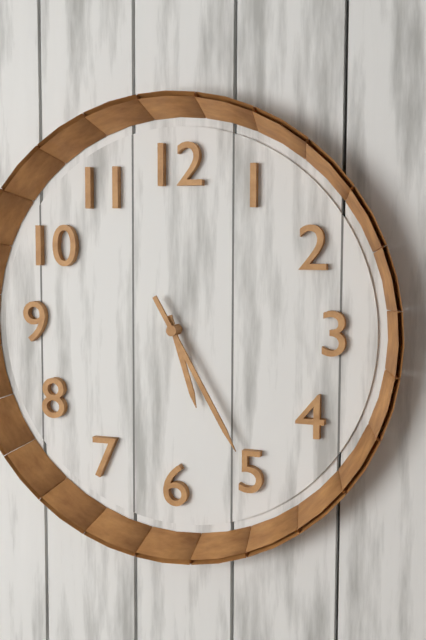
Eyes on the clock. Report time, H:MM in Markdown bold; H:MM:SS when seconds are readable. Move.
**5:25**
